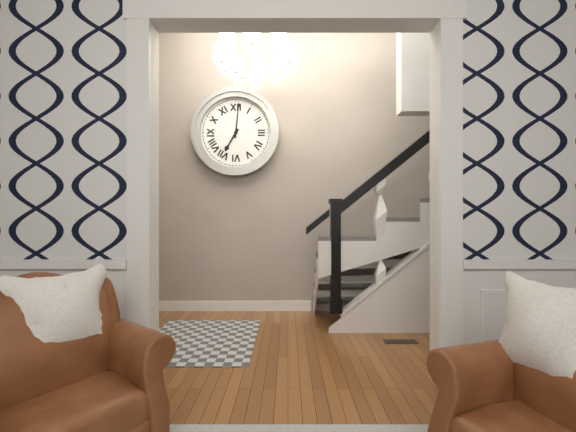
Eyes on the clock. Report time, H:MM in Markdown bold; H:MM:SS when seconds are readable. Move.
**7:01**
